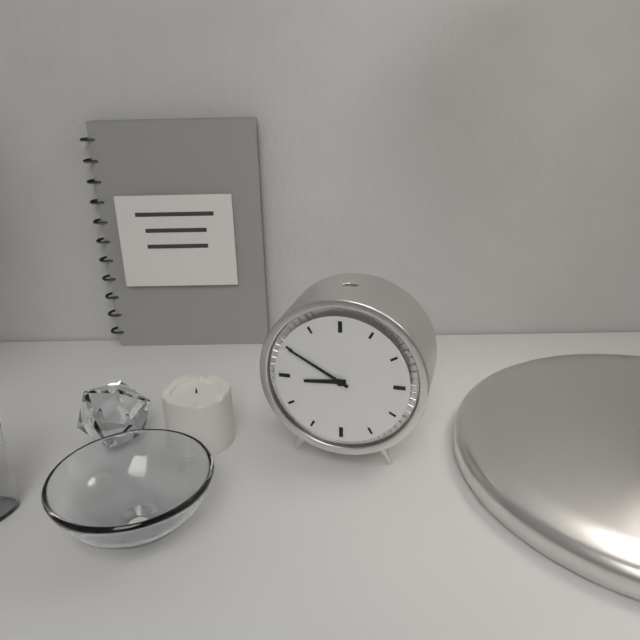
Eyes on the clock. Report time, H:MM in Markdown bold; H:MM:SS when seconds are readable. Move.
**8:50**
